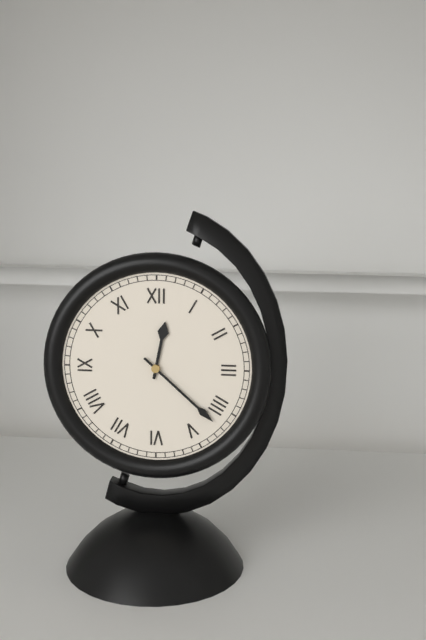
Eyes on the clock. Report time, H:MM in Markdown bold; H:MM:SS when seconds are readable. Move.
**12:22**
